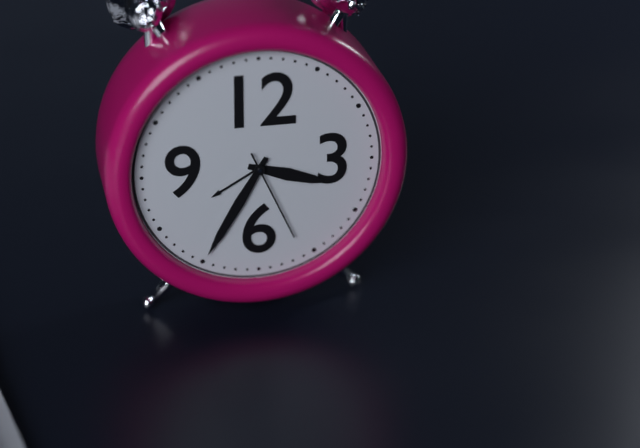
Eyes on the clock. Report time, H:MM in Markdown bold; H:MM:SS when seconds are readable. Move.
**3:35:26**
